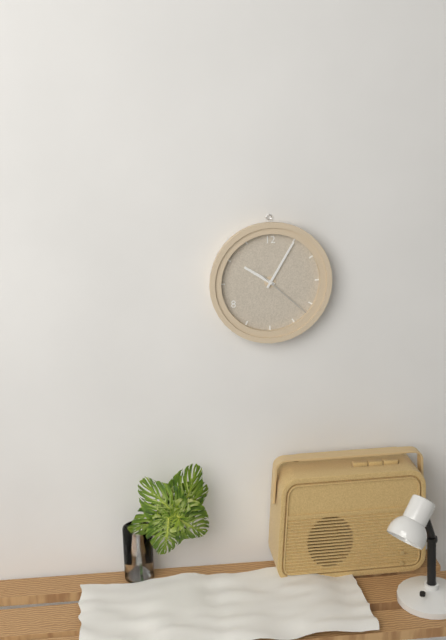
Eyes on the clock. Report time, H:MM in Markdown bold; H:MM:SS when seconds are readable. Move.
**10:05:22**
